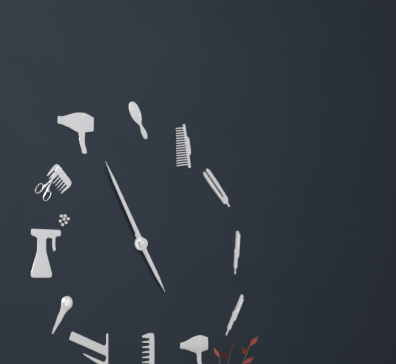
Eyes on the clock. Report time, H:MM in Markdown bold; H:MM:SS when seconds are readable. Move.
**4:55**
